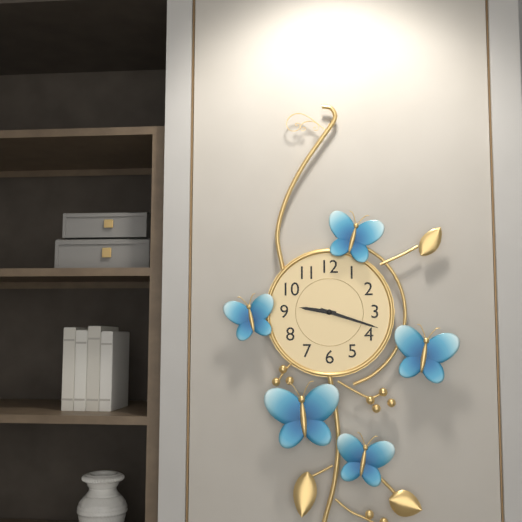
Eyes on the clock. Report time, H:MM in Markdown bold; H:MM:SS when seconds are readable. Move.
**9:18**
